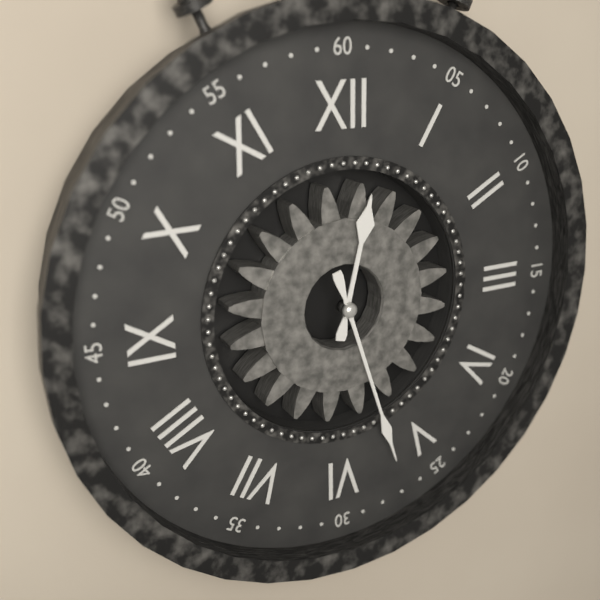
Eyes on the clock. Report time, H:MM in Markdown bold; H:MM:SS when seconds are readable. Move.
**12:27**
